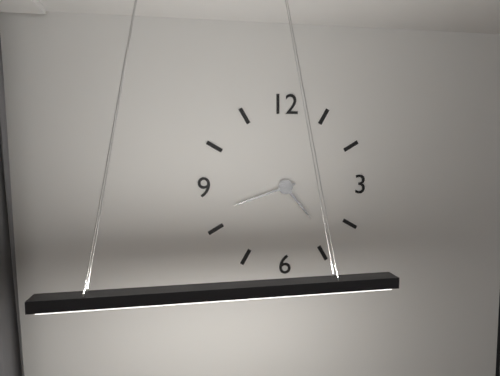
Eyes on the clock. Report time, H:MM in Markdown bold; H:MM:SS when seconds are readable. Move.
**4:42**
